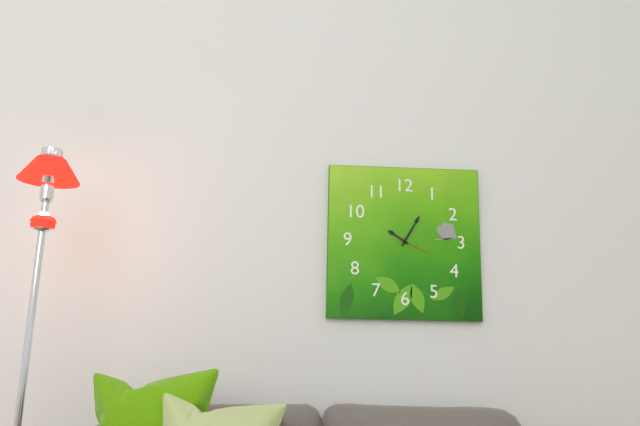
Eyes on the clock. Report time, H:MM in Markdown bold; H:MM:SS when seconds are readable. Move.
**10:05**
